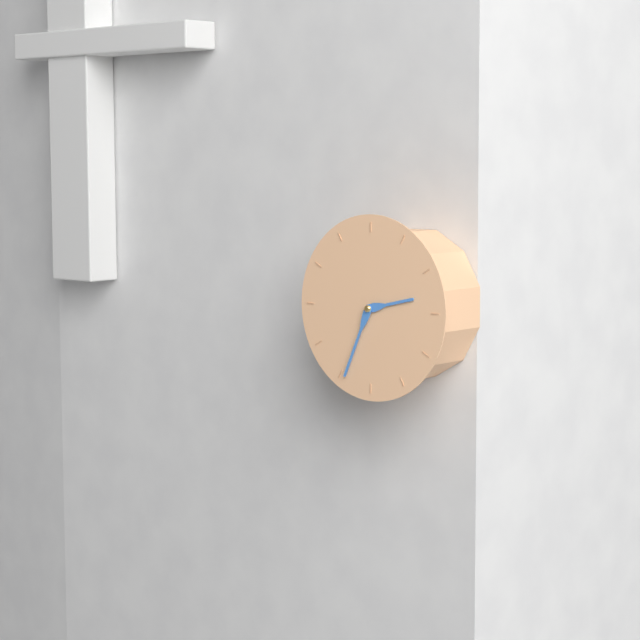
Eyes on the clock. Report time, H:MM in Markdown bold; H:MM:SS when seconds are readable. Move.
**2:34**
